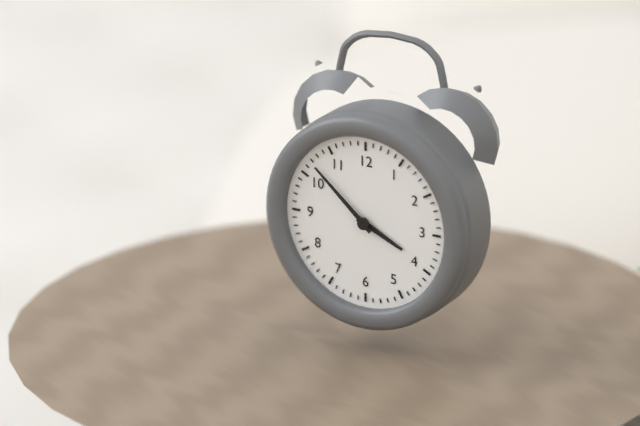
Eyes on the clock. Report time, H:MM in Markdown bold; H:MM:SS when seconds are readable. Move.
**3:52**
